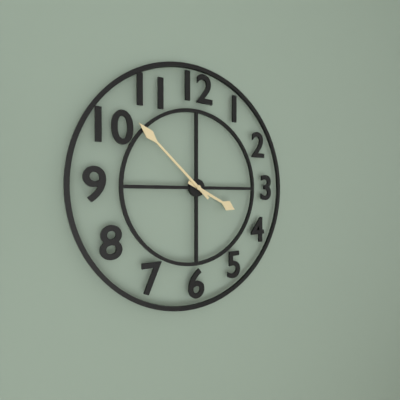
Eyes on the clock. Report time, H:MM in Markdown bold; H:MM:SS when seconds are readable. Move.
**3:52**
